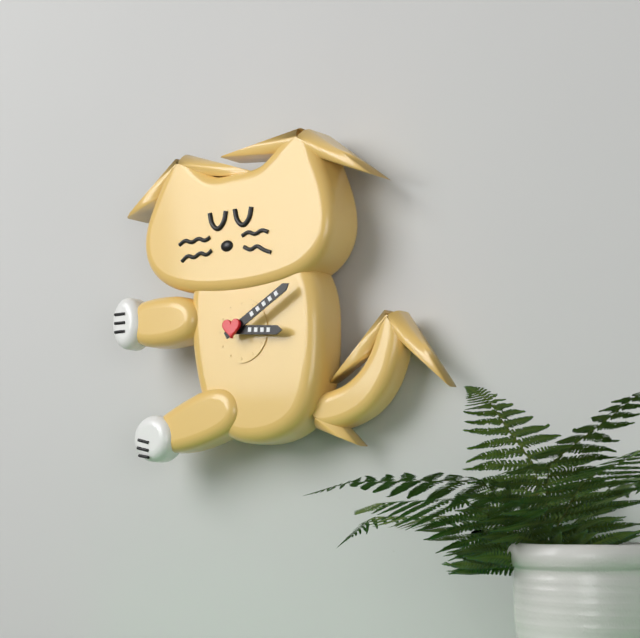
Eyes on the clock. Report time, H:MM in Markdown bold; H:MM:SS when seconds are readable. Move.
**3:10**
